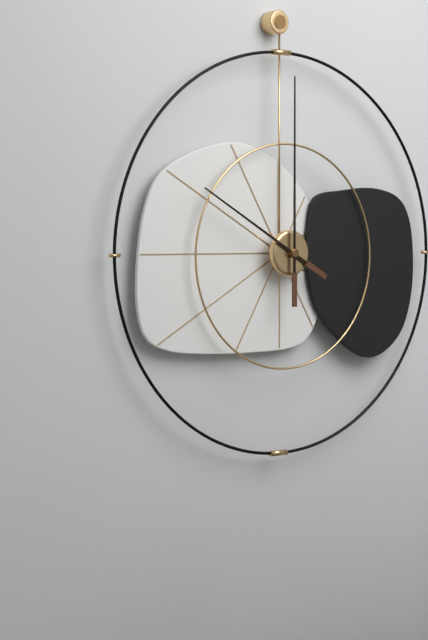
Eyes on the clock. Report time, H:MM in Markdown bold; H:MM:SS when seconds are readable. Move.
**10:00**
